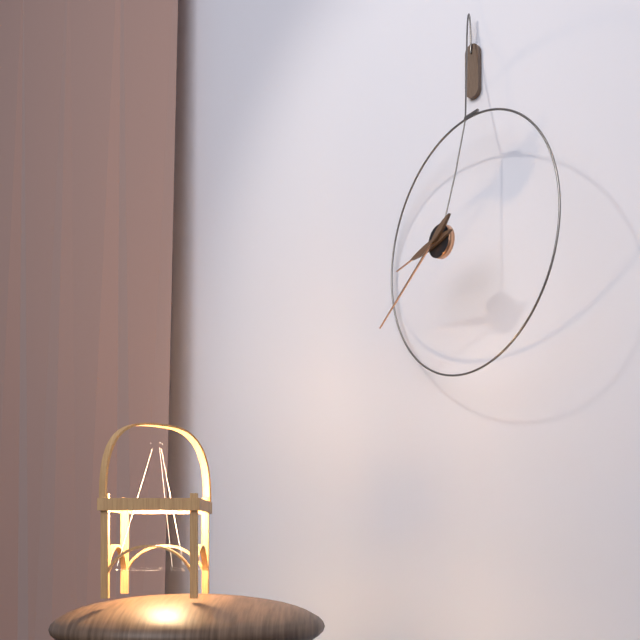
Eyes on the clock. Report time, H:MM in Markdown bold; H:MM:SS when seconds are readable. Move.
**8:39**
